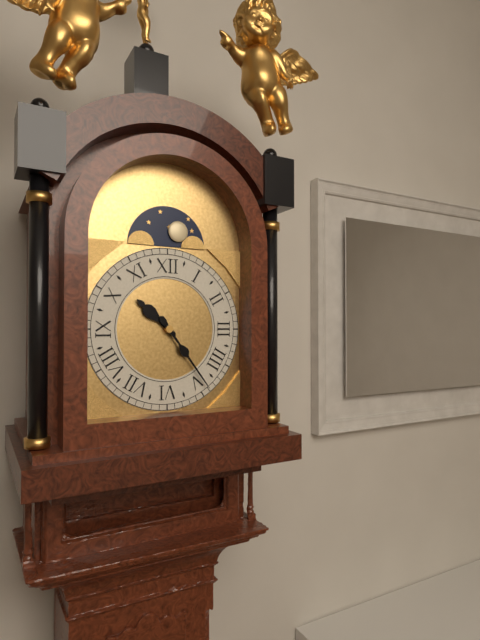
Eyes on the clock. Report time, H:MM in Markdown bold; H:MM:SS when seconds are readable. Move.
**10:24**
